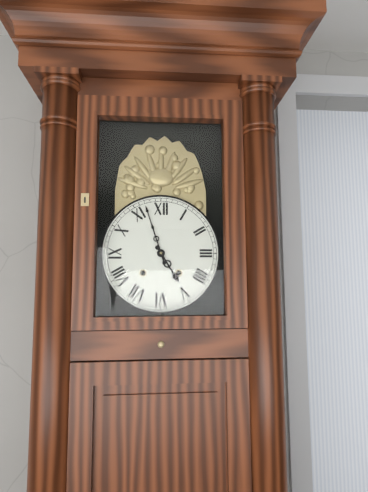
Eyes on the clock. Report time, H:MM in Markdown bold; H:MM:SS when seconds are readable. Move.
**4:57**
